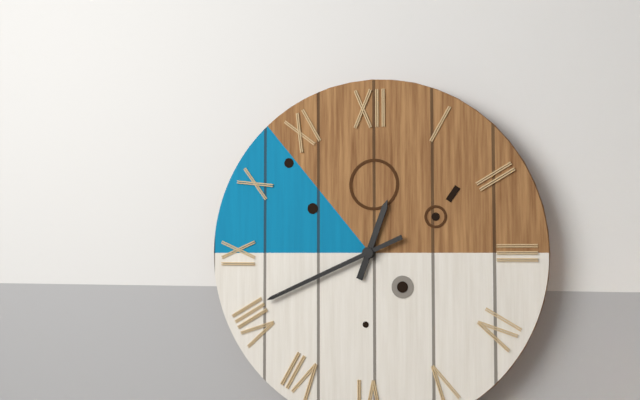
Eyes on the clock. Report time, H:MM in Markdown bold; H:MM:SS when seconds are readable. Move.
**12:41**
